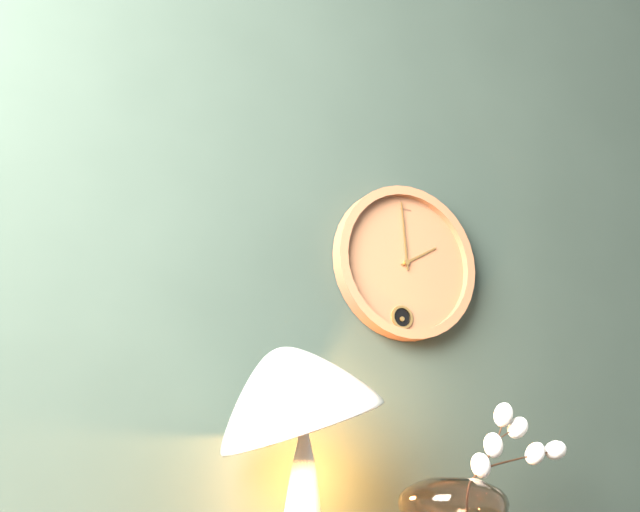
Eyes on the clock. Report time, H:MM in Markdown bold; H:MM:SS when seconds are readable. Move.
**1:59**
